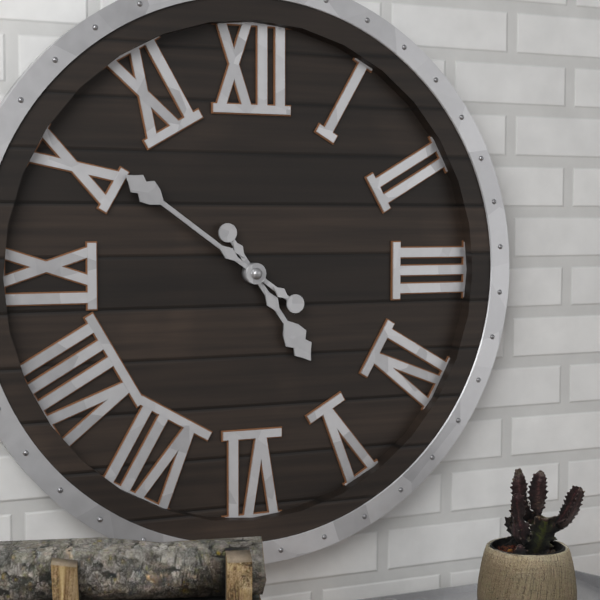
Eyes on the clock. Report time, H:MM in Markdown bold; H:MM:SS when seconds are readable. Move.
**4:51**
